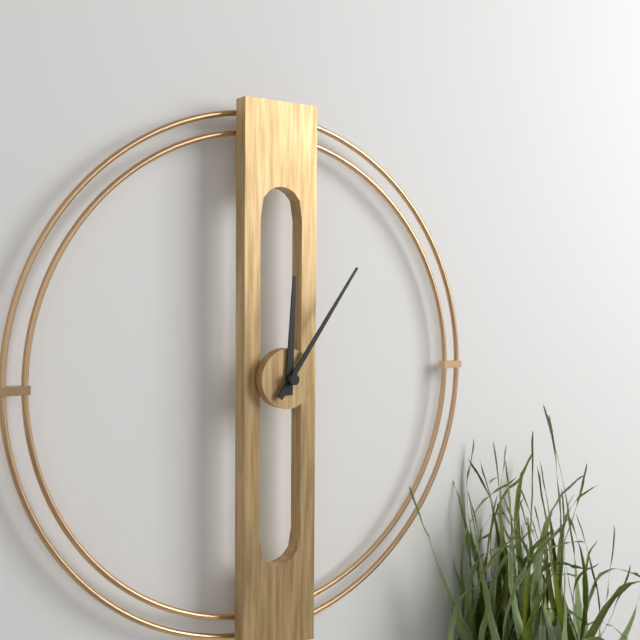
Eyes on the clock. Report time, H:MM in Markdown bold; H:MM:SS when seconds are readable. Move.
**12:06**
